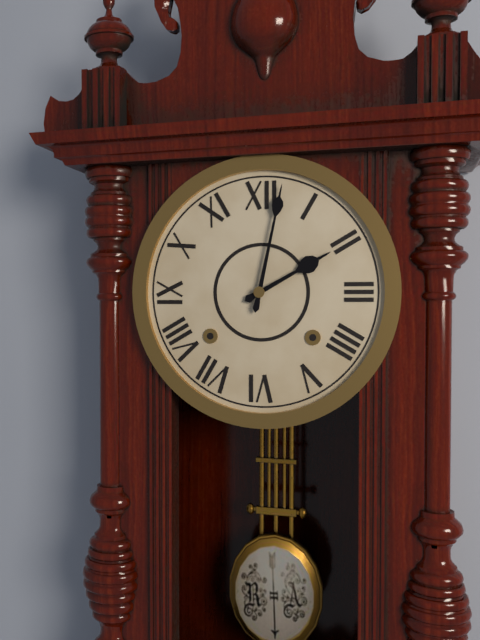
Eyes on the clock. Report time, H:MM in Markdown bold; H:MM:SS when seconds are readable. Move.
**2:02**
